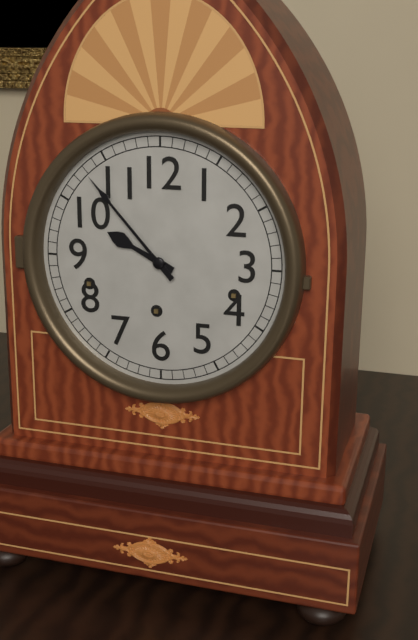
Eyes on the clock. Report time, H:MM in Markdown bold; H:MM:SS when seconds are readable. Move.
**9:53**
